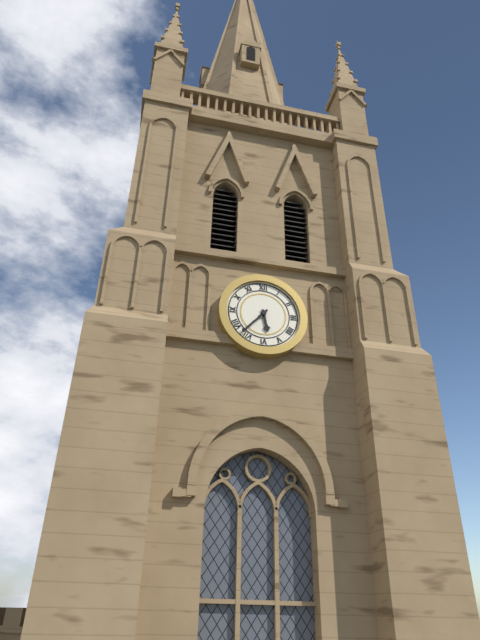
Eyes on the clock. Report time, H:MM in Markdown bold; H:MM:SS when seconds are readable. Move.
**5:37**
